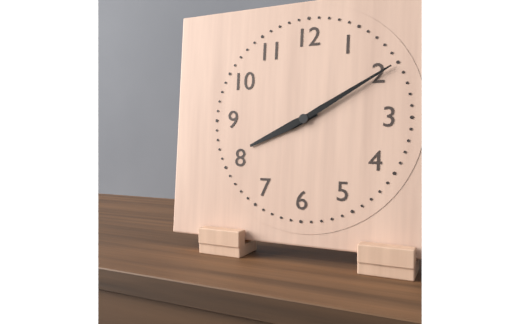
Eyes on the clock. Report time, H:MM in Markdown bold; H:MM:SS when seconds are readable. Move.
**8:10**
